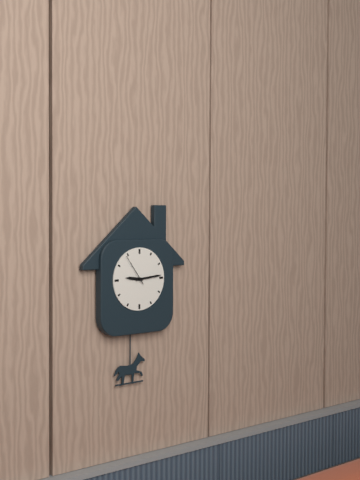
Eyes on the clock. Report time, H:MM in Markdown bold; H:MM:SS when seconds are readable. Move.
**9:14**
